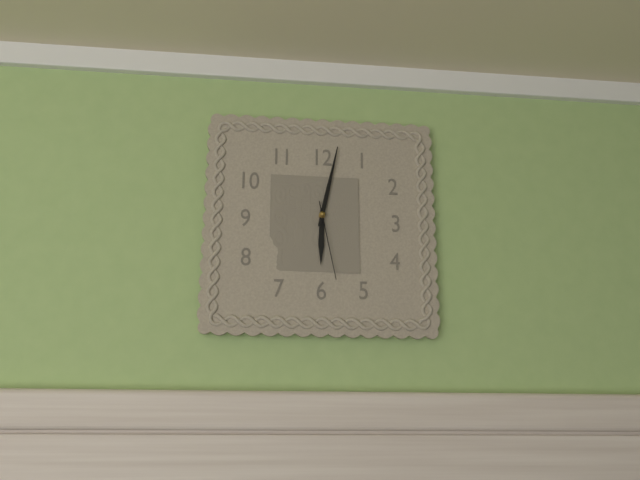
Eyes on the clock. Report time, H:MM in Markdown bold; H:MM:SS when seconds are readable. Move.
**6:02:28**
